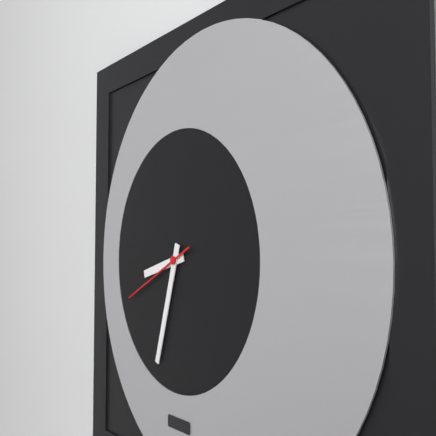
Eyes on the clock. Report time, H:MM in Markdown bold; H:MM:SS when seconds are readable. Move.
**8:33:41**
